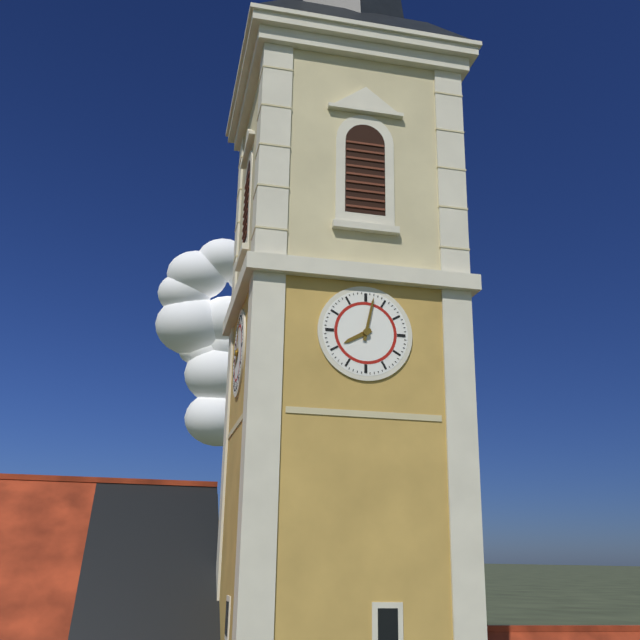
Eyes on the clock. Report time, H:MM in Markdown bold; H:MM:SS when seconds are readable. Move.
**8:02**
